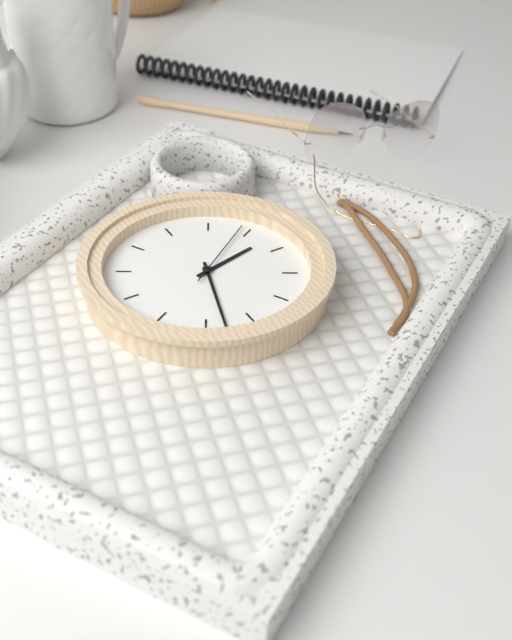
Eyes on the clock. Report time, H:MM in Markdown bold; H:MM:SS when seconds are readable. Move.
**2:33:09**
